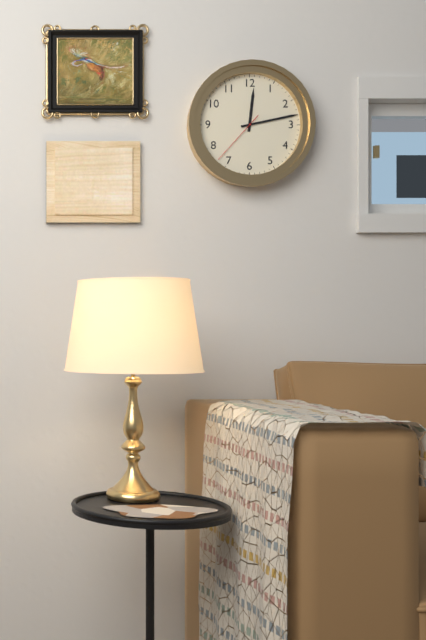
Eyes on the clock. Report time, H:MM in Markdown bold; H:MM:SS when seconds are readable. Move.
**12:13:37**
